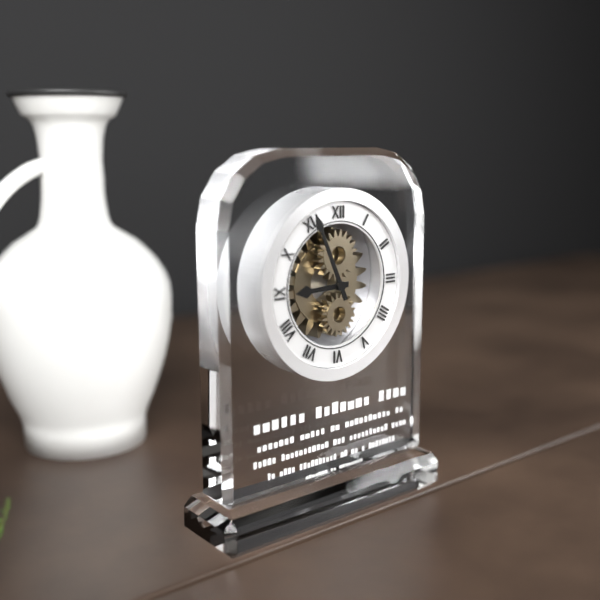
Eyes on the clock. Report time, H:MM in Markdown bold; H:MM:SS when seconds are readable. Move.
**8:56**
